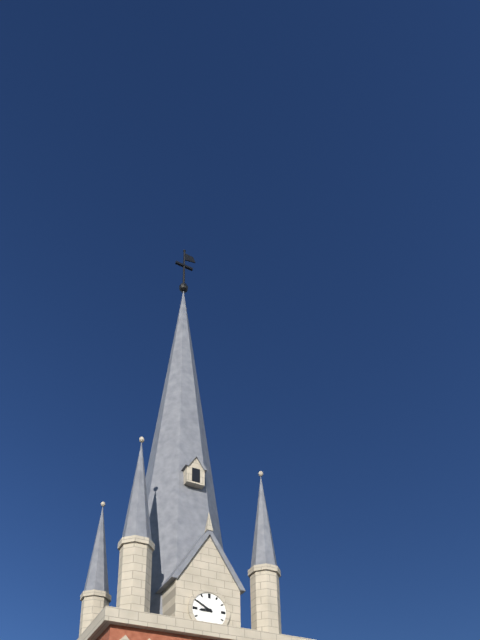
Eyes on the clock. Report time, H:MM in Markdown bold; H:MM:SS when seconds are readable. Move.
**8:50**
